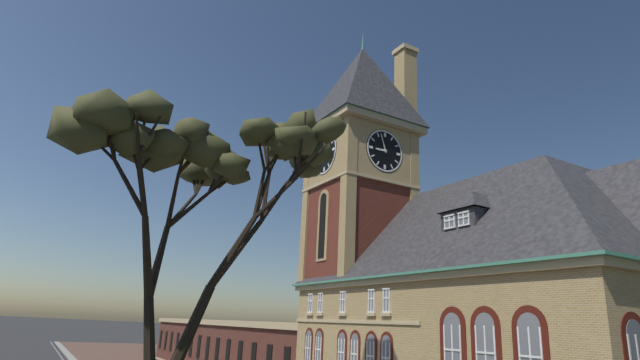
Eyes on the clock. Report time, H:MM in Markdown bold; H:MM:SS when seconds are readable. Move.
**8:57**
